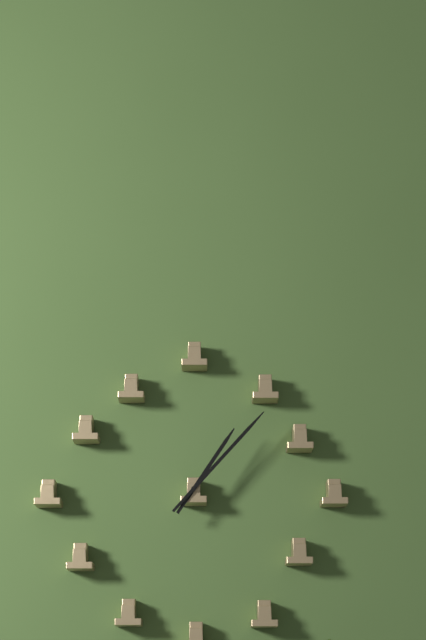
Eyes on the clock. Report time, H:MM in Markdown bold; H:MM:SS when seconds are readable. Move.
**1:07**
